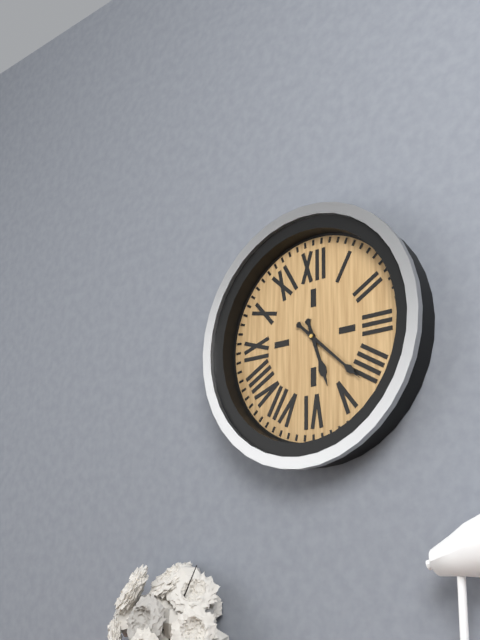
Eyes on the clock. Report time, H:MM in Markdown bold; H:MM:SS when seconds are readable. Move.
**5:22**
